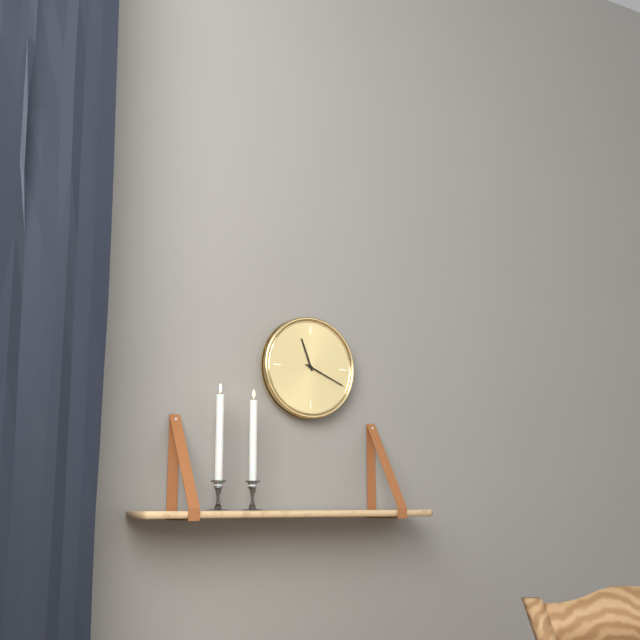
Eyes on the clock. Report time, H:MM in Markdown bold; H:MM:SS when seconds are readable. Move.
**11:19**
